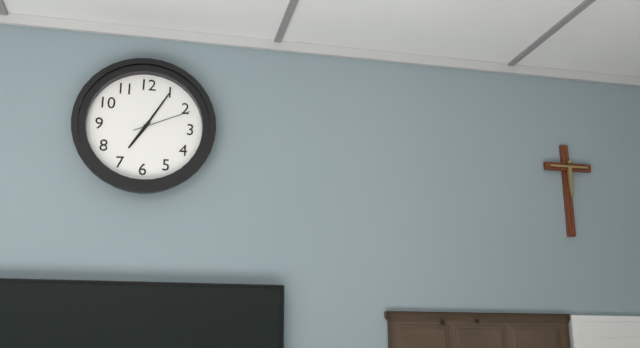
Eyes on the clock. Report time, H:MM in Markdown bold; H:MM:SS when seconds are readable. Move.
**7:05:11**
